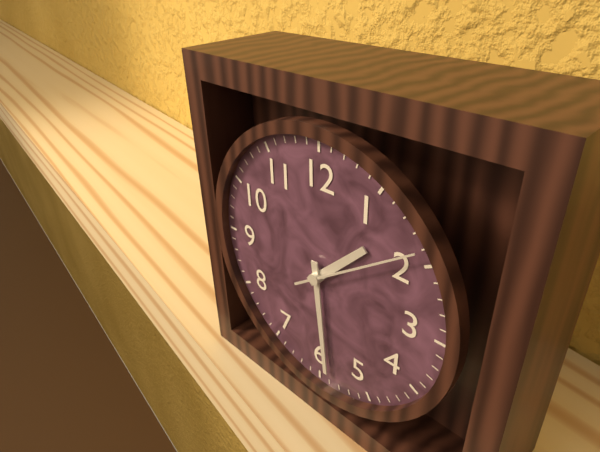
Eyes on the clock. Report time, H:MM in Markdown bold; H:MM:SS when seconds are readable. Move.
**1:29:09**
